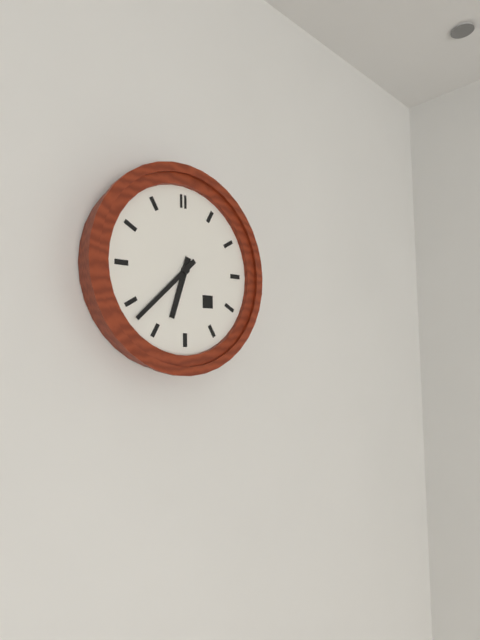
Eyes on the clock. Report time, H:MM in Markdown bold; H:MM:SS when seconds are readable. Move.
**6:38**
